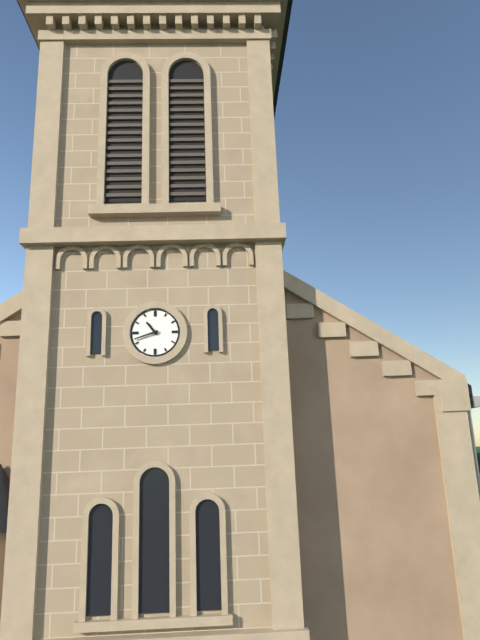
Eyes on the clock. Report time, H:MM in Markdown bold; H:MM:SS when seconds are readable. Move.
**10:42**
